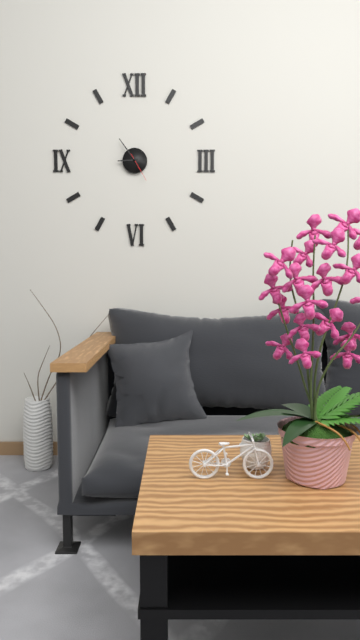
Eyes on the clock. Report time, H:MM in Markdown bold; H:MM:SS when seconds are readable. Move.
**8:54**
